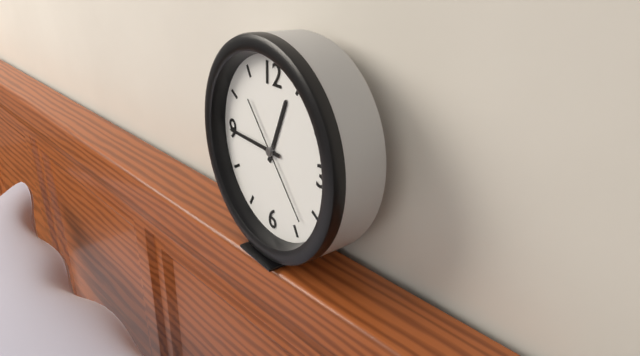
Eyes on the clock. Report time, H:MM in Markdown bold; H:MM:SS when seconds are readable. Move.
**12:45:23**
